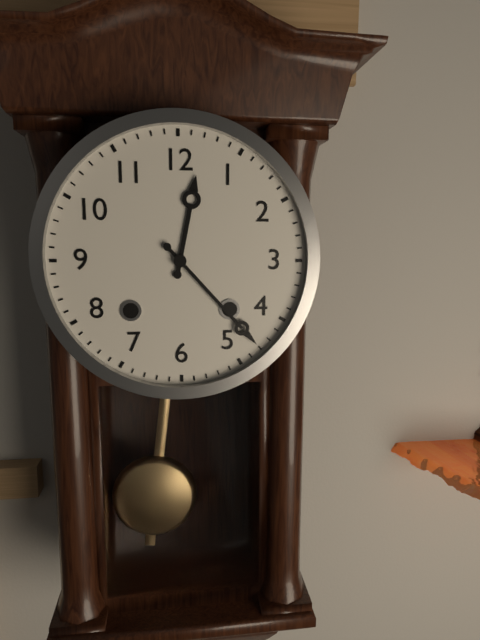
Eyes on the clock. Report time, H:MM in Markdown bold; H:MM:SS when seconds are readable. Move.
**12:23**
